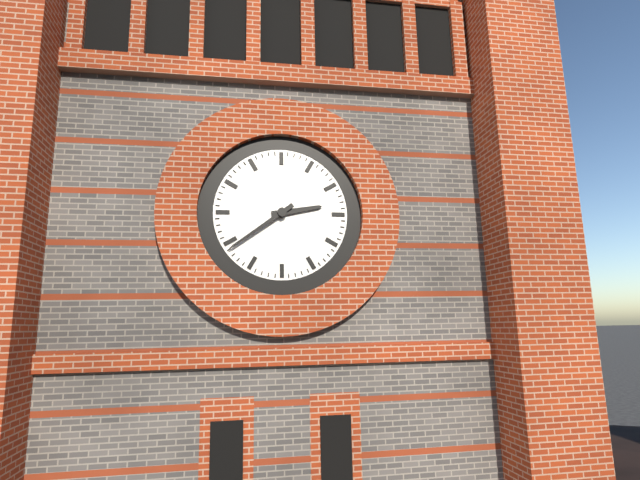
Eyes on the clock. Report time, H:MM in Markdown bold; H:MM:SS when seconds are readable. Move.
**2:39**
